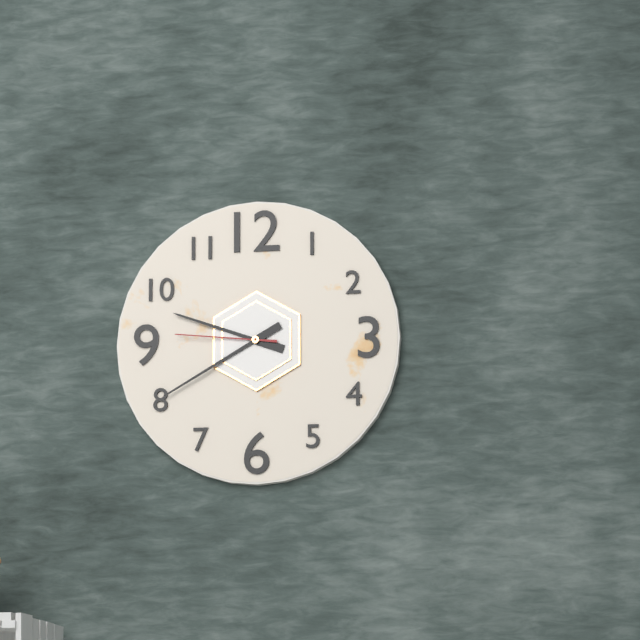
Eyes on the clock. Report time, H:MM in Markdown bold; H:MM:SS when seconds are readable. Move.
**9:40:46**
